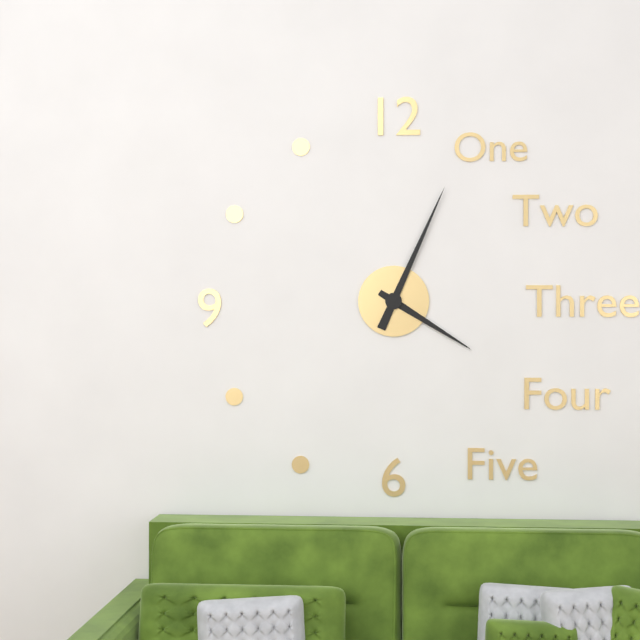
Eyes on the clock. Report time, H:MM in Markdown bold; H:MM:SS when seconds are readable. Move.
**4:04**
